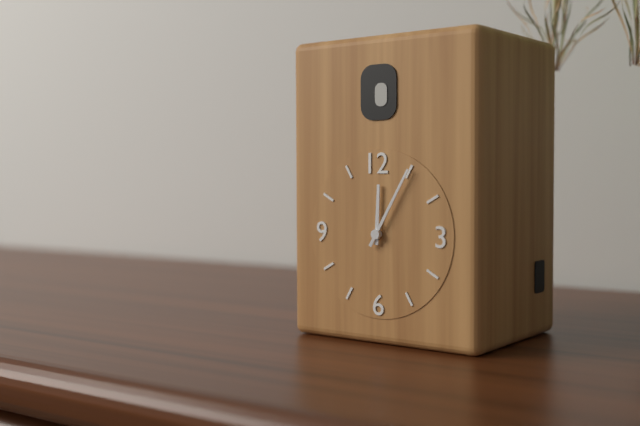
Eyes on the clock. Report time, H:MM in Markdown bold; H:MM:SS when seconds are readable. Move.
**12:05**
